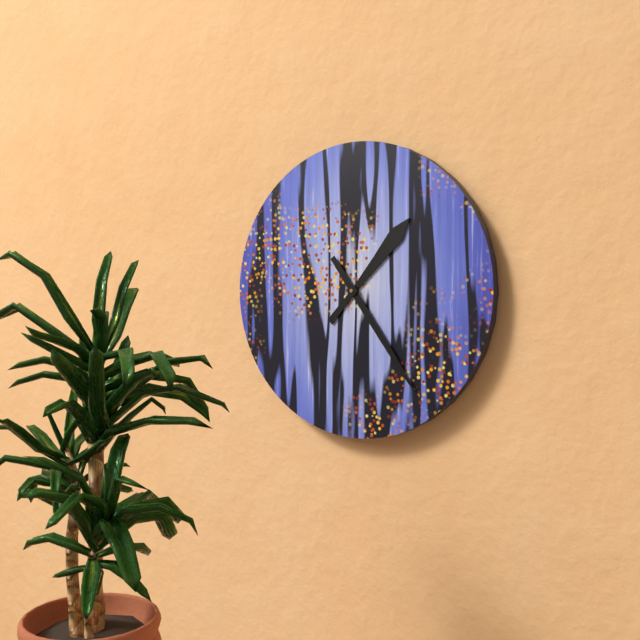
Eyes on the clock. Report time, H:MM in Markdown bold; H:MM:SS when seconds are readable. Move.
**1:24**
